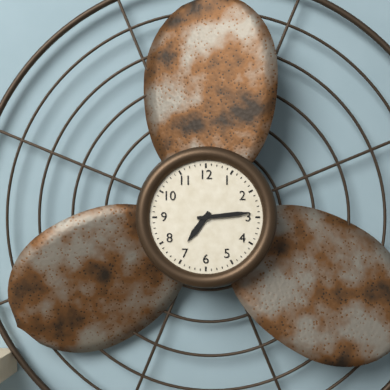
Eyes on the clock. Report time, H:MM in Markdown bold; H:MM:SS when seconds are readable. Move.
**7:14**
